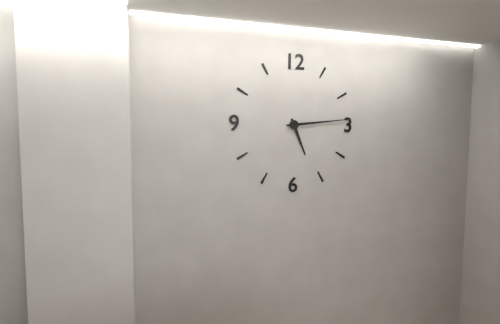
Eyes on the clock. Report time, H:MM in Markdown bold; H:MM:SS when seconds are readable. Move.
**5:14**
